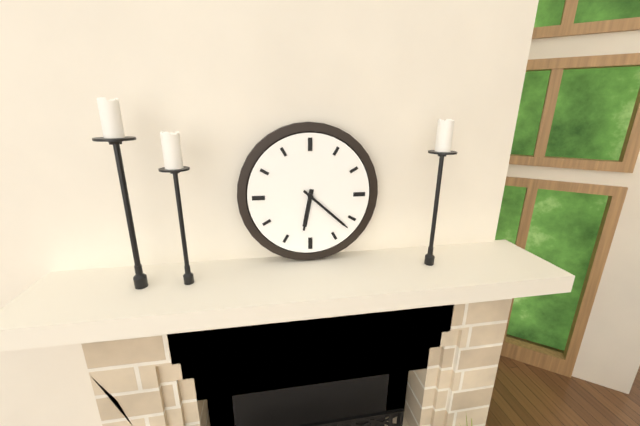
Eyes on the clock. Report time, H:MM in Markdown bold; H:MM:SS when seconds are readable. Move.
**6:22**
